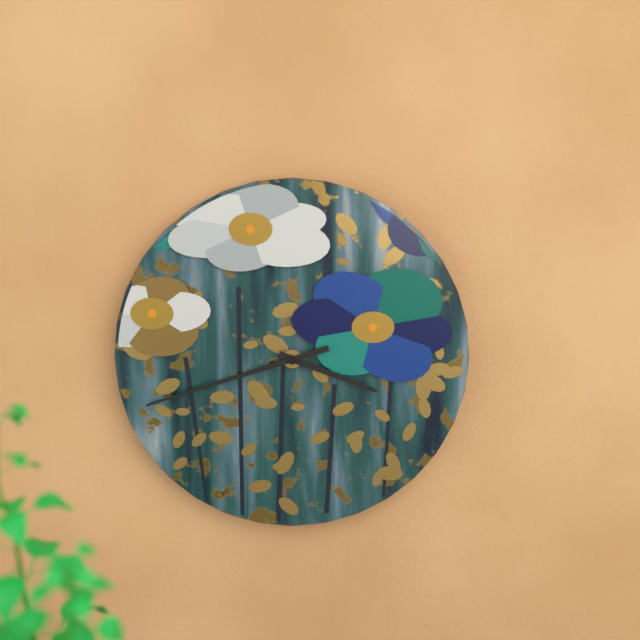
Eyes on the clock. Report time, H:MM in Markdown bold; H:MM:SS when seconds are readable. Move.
**3:42**
